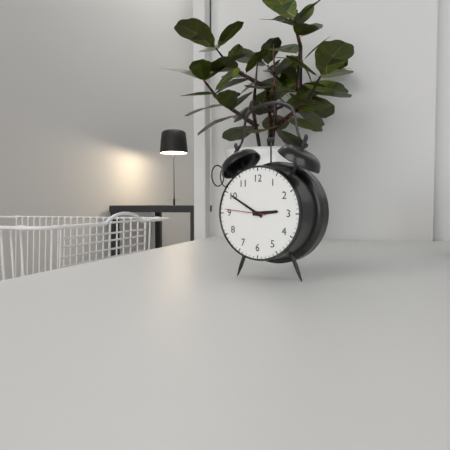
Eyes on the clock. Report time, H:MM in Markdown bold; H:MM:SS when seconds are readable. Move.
**2:50**
